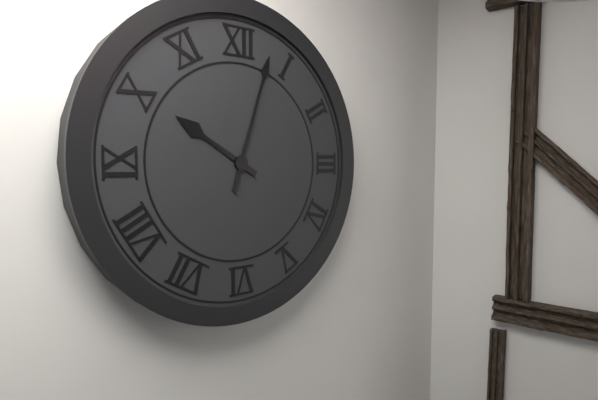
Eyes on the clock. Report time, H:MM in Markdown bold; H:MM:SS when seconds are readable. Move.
**10:03**
